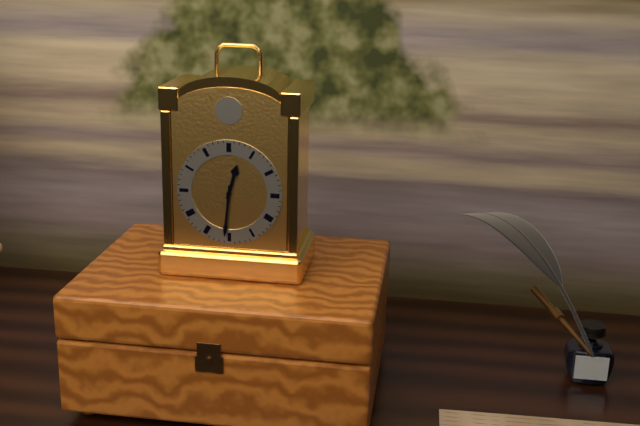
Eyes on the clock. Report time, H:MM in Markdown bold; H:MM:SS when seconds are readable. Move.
**12:31**
